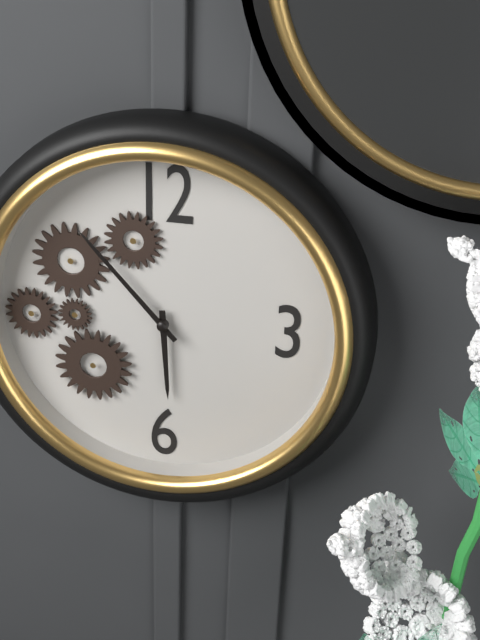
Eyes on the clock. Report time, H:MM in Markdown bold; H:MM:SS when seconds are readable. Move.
**5:53**
